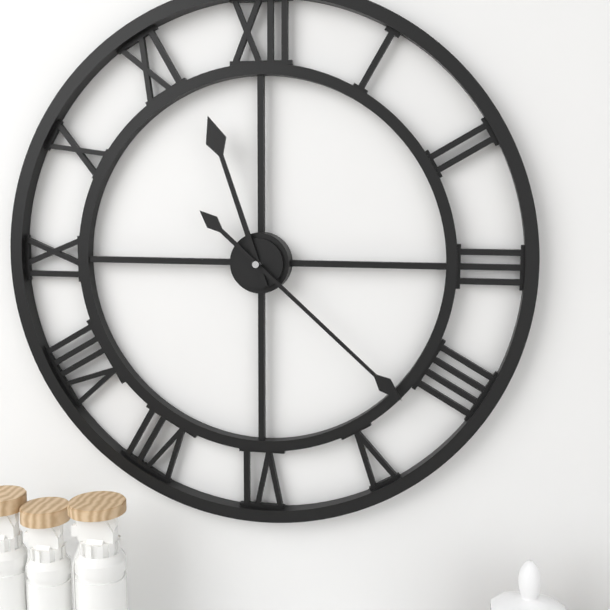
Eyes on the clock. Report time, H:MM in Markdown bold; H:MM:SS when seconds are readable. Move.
**11:22**
